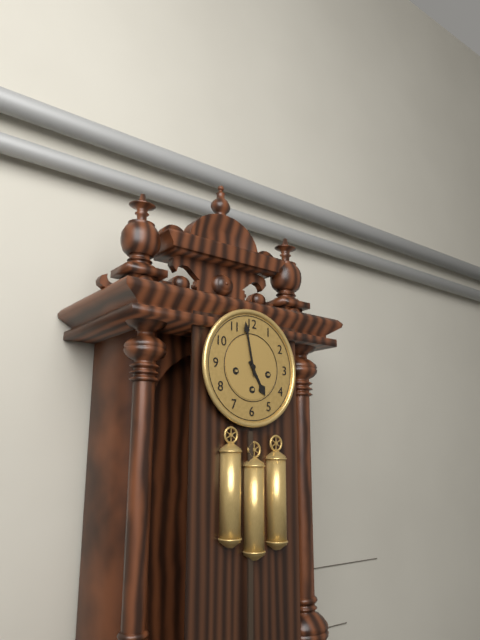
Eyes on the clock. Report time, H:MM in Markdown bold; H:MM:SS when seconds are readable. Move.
**4:58**
